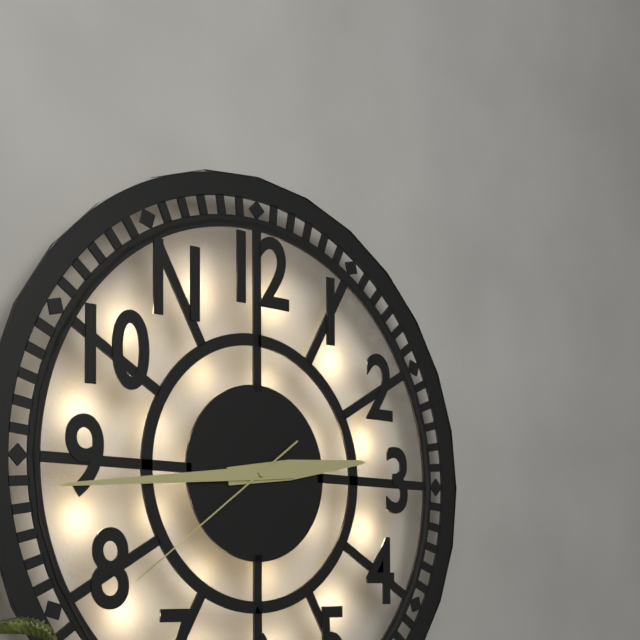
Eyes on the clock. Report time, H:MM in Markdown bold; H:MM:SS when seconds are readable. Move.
**2:44:39**
